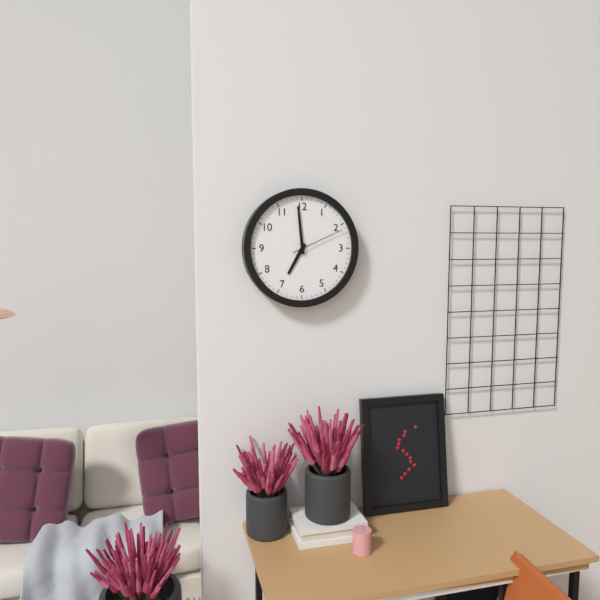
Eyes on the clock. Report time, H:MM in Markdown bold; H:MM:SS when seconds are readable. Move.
**6:59:11**
